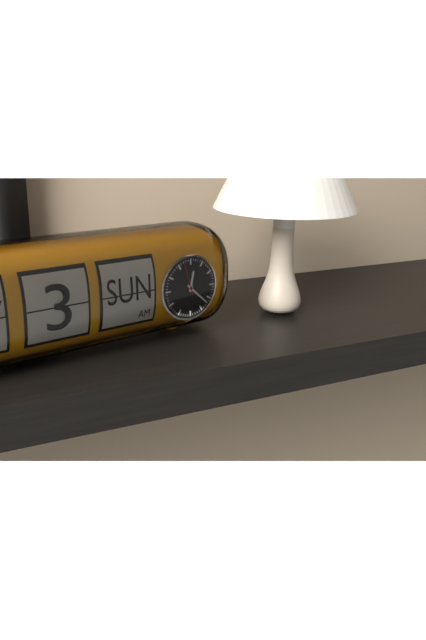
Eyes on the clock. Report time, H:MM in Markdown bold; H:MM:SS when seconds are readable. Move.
**12:22**
